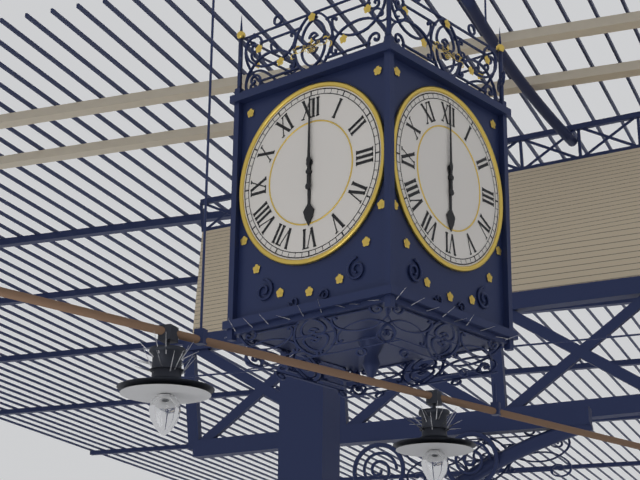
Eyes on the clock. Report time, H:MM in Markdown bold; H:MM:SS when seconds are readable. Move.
**6:00**
